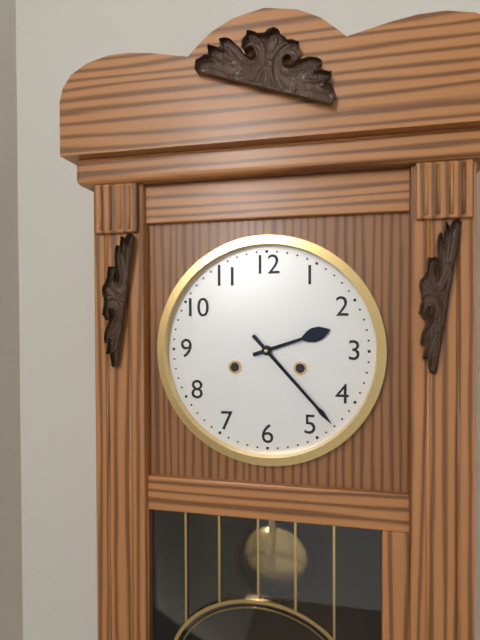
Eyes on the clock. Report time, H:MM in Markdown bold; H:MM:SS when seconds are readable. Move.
**2:23**
